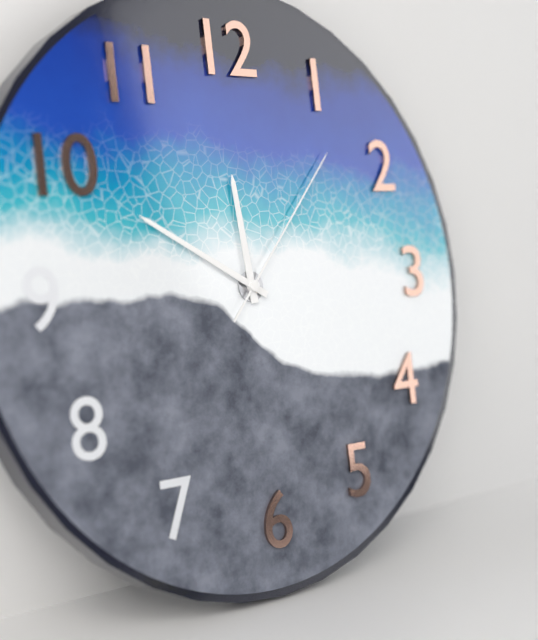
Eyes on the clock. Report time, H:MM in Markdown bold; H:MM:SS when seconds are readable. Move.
**11:50:07**
